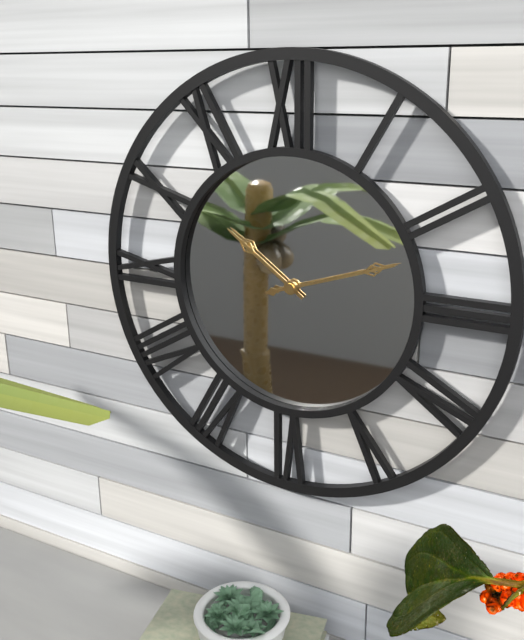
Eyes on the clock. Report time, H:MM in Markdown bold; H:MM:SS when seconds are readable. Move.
**10:12**
